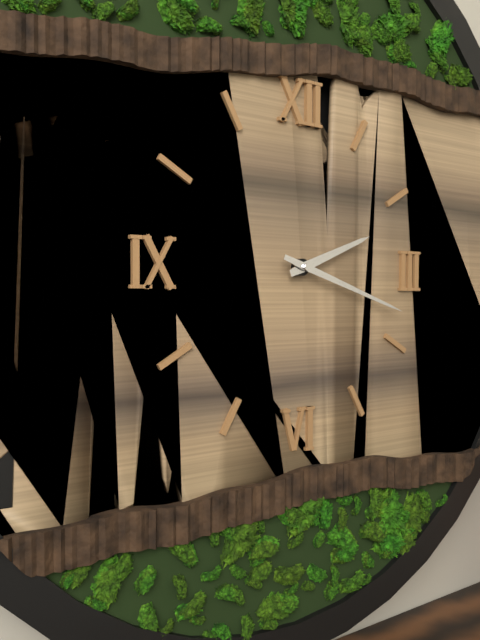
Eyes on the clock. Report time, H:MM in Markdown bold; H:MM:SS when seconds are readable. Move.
**2:18**
